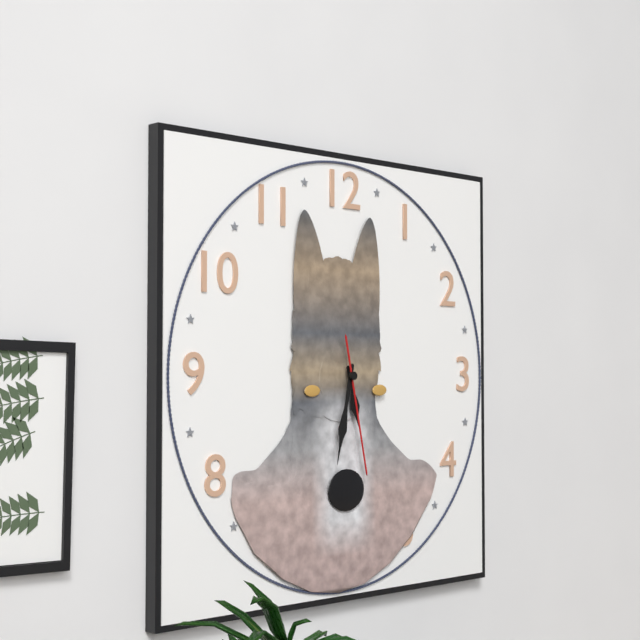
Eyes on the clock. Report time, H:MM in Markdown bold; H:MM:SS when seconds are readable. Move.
**5:32:28**
